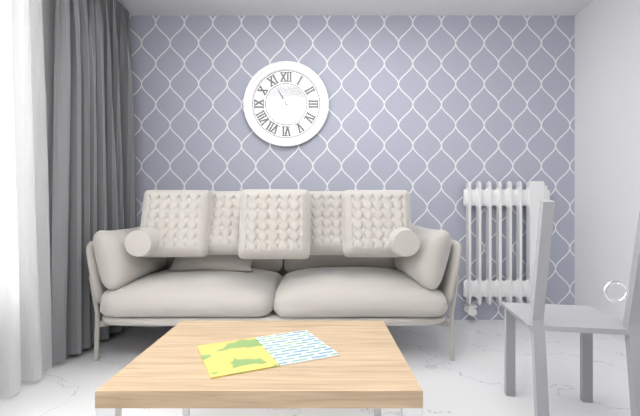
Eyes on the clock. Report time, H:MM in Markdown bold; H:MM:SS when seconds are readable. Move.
**4:55**
